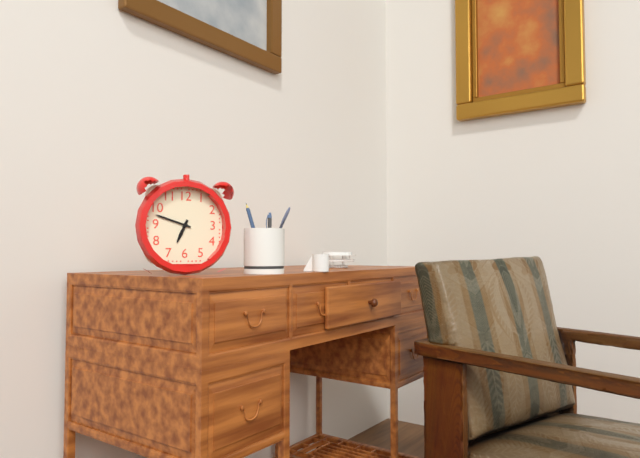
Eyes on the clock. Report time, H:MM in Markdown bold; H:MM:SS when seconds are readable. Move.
**6:48**
